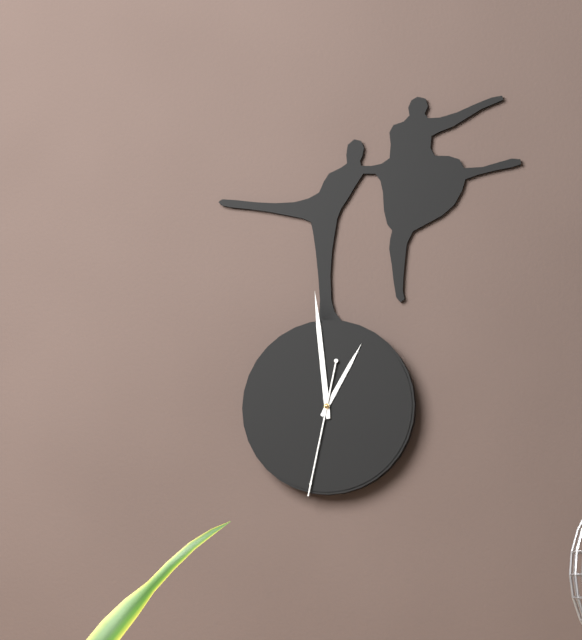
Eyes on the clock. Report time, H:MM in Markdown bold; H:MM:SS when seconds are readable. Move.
**12:59:32**
